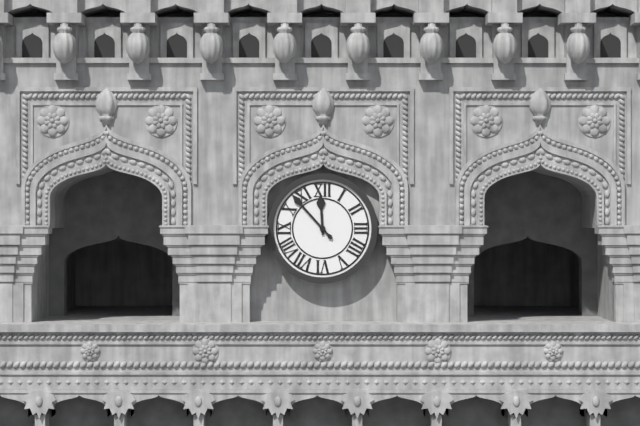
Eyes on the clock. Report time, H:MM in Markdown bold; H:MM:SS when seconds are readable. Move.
**11:53**
